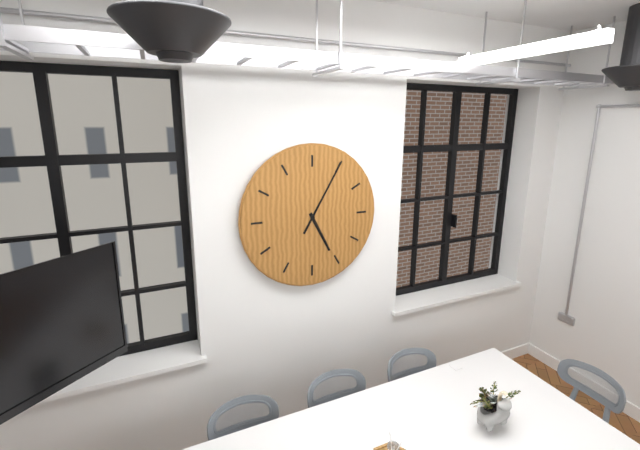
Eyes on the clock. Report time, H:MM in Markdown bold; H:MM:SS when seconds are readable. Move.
**5:05**
